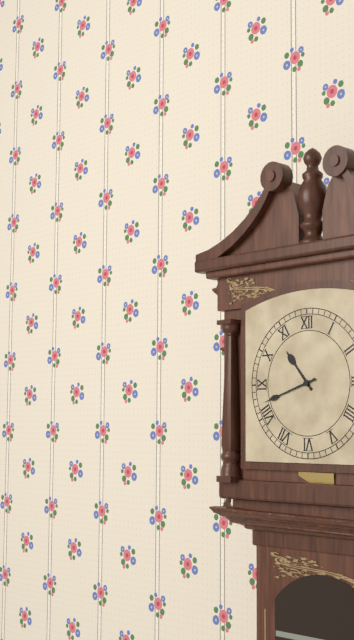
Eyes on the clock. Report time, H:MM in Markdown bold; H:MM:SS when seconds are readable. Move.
**10:42**
